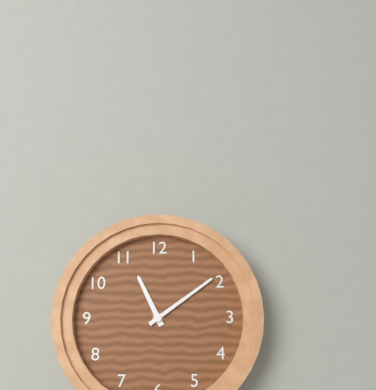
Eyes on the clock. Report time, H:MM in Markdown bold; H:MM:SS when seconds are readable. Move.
**11:09**
